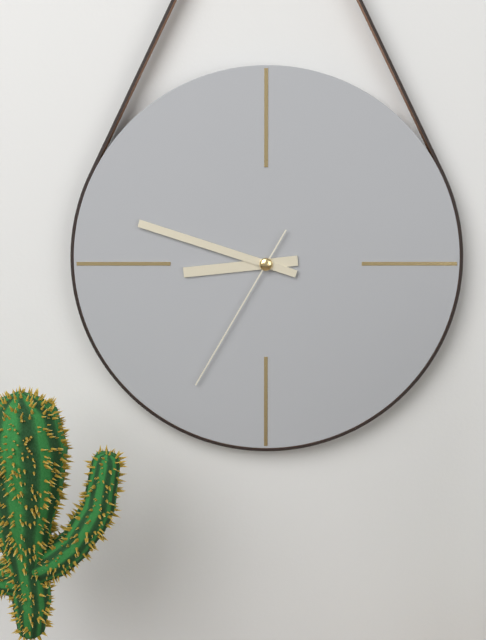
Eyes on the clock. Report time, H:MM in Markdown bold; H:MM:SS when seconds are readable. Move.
**8:48:35**
